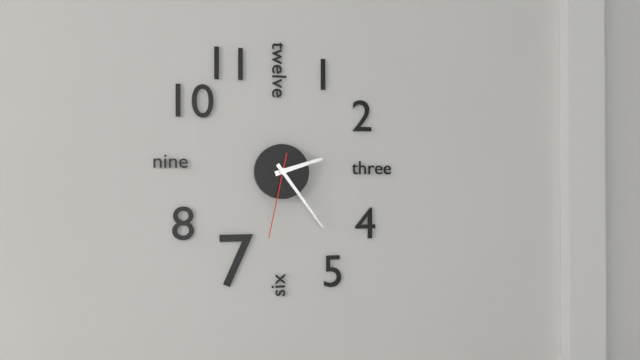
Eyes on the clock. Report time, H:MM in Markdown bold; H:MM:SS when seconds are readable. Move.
**2:24:32**
